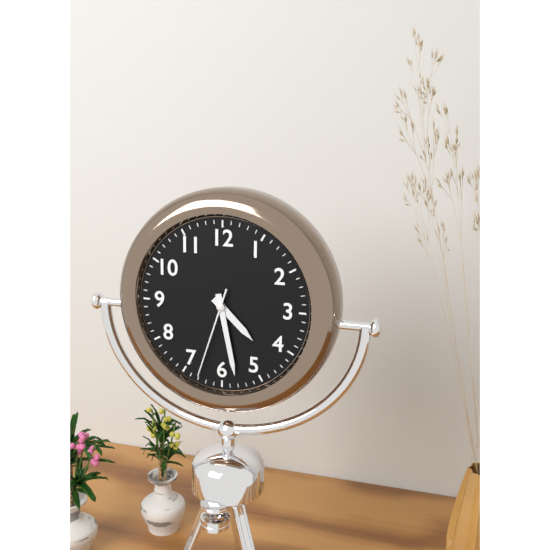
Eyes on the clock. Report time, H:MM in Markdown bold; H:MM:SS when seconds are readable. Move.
**4:28:33**
